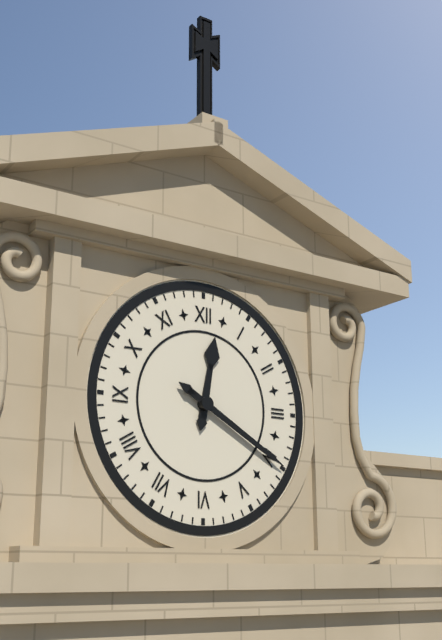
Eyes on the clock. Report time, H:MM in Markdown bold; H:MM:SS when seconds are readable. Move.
**12:20**
